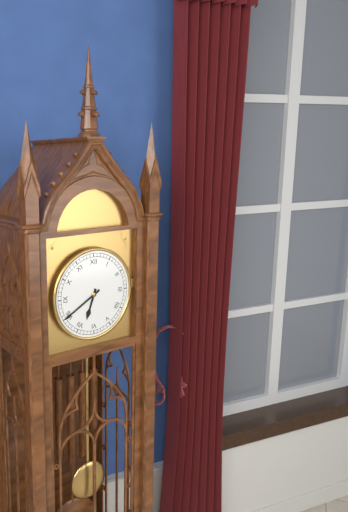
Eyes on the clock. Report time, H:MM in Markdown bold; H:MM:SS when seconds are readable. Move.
**6:40**
